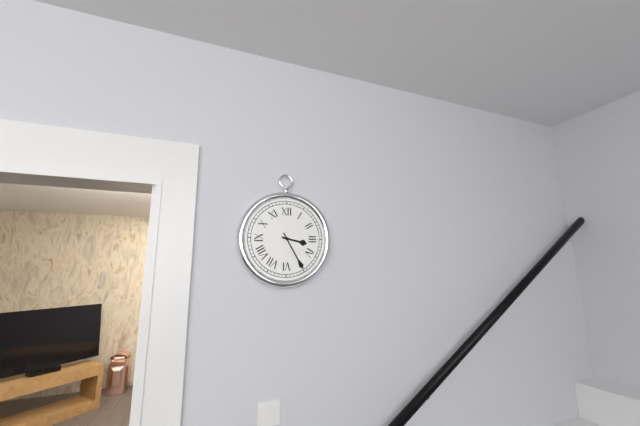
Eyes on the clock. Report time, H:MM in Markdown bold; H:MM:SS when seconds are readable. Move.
**3:25**
